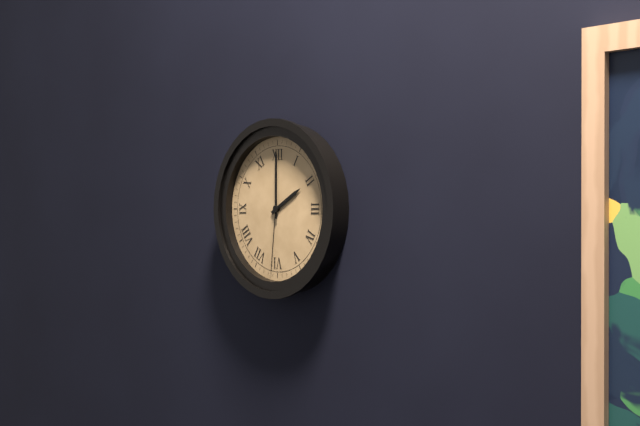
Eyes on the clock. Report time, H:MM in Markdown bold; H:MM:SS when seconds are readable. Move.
**2:00:31**
